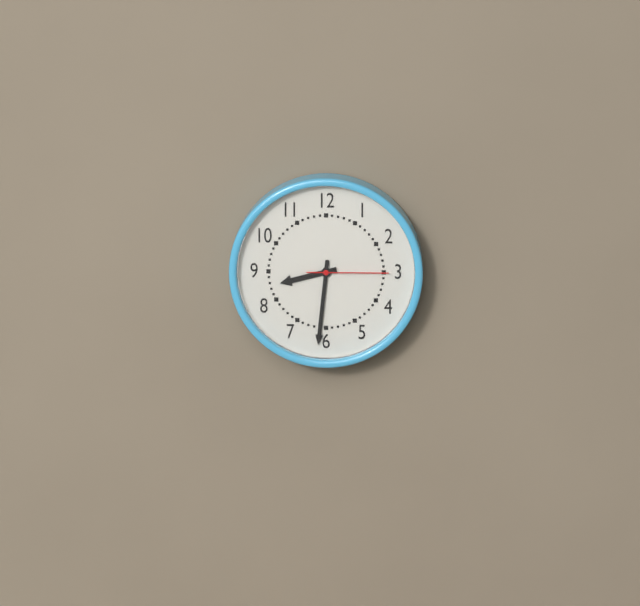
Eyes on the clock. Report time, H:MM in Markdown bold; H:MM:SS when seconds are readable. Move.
**8:31:15**
